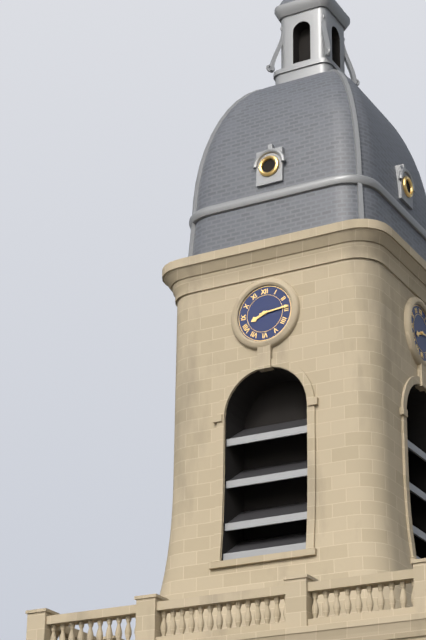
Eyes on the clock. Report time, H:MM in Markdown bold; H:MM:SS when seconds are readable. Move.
**8:14**
